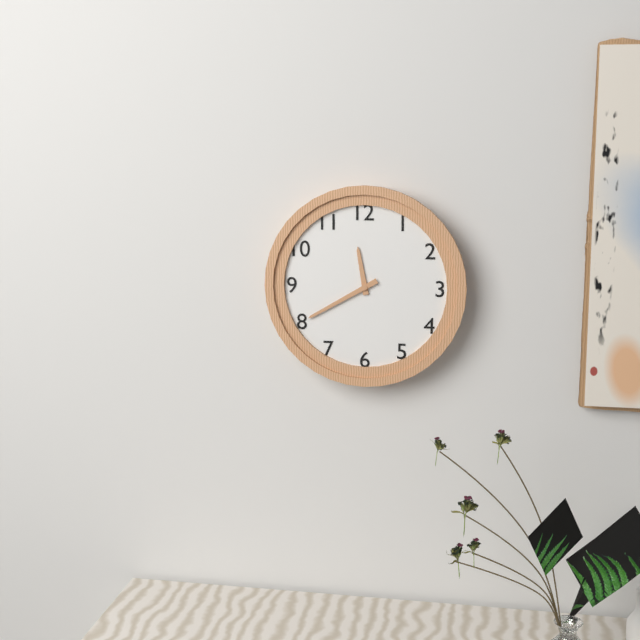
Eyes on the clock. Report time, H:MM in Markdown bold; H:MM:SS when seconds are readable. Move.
**11:40**
